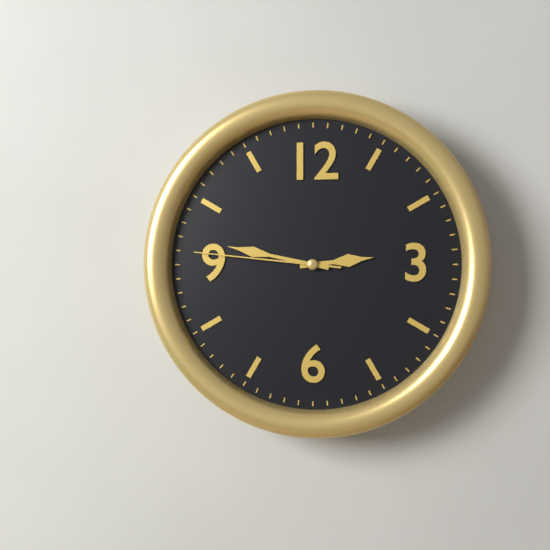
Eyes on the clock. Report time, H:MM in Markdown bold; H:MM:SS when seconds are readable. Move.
**2:47:46**
